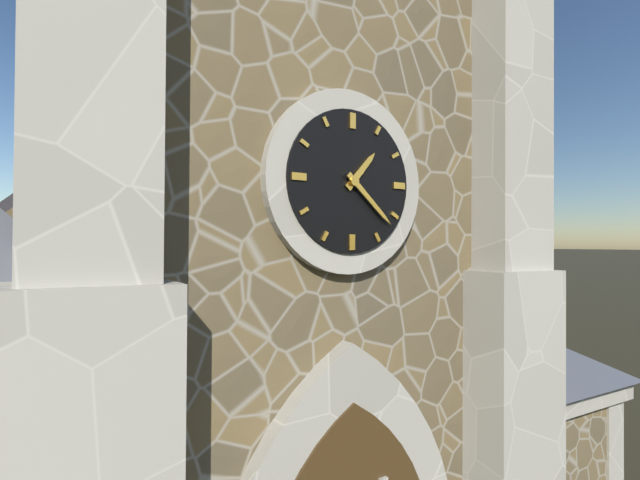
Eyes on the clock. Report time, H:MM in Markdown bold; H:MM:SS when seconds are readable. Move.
**1:22**
